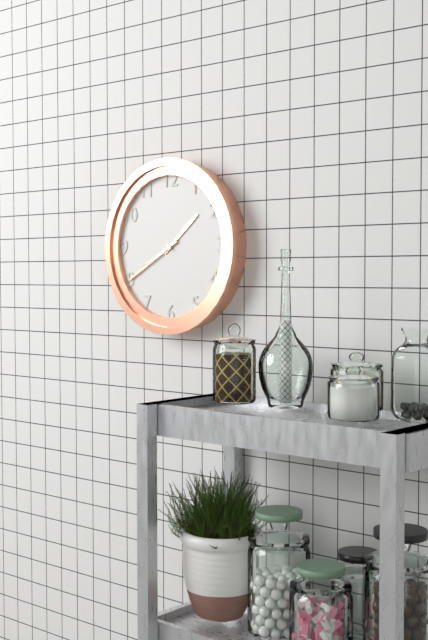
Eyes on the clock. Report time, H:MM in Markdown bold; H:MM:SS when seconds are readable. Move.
**1:40**
